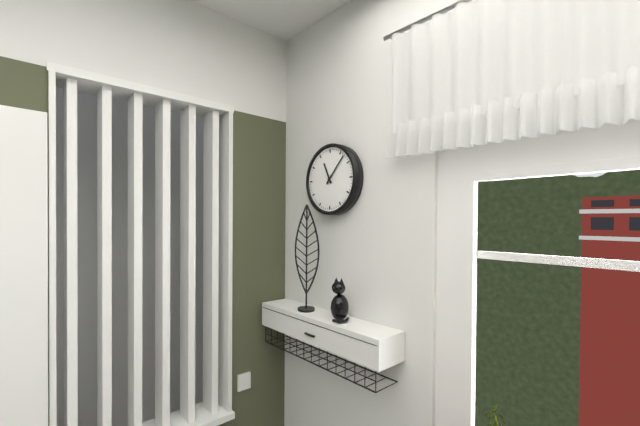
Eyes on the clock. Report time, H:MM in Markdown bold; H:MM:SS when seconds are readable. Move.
**11:07**
